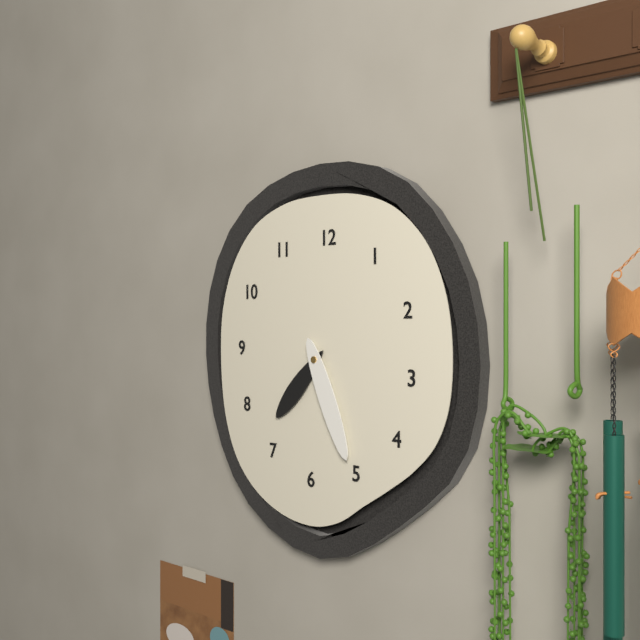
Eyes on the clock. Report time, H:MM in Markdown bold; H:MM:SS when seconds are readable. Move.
**7:26**
